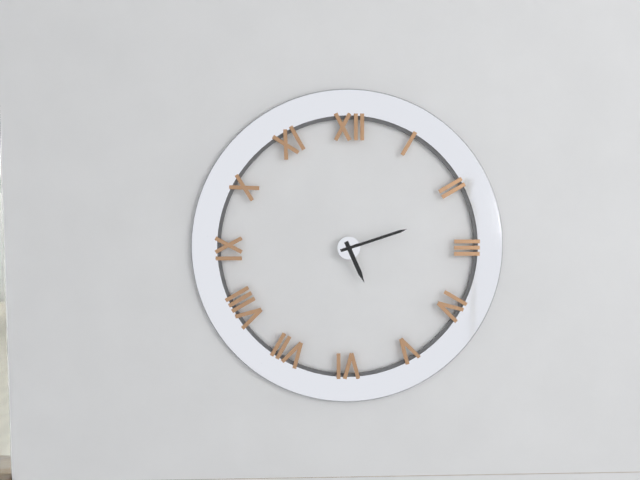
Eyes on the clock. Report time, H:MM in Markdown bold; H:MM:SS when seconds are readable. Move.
**5:12**
